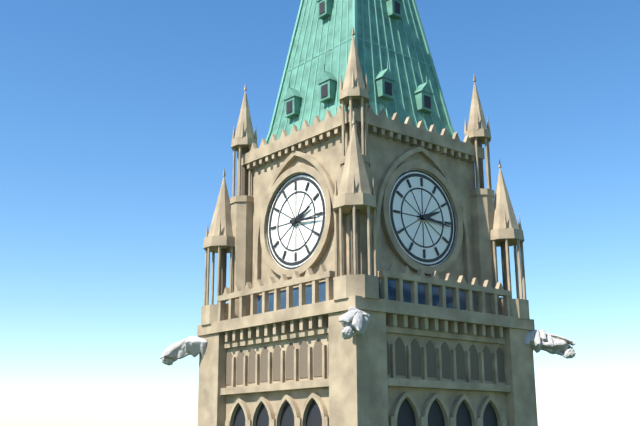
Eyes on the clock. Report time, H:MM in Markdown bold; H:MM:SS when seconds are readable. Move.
**2:16**
